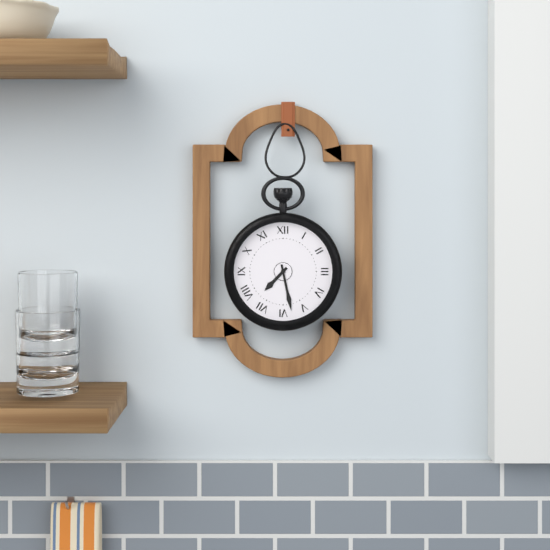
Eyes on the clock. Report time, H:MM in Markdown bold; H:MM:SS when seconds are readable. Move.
**7:28**
